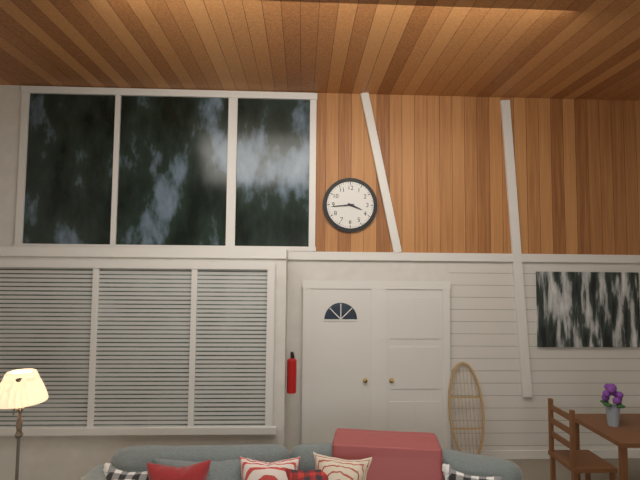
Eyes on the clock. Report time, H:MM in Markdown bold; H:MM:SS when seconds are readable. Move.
**3:44**
